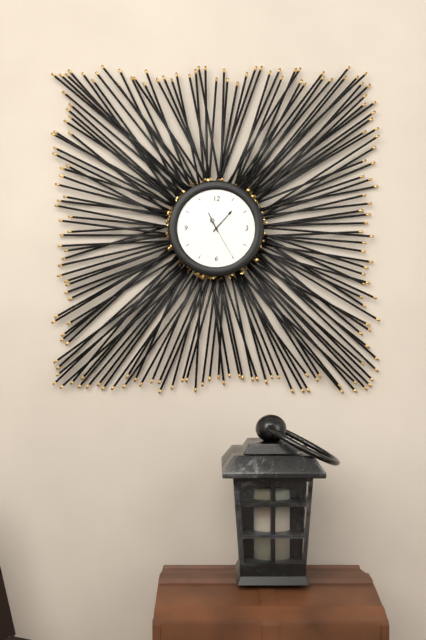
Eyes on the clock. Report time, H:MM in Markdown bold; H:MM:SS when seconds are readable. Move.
**11:07**
